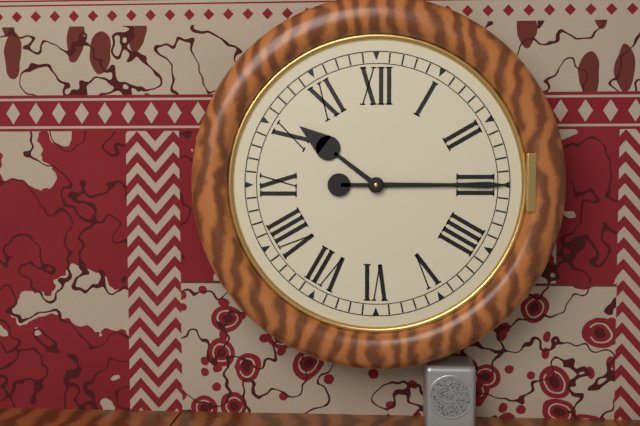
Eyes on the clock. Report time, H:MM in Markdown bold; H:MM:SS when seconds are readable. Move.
**10:15**
